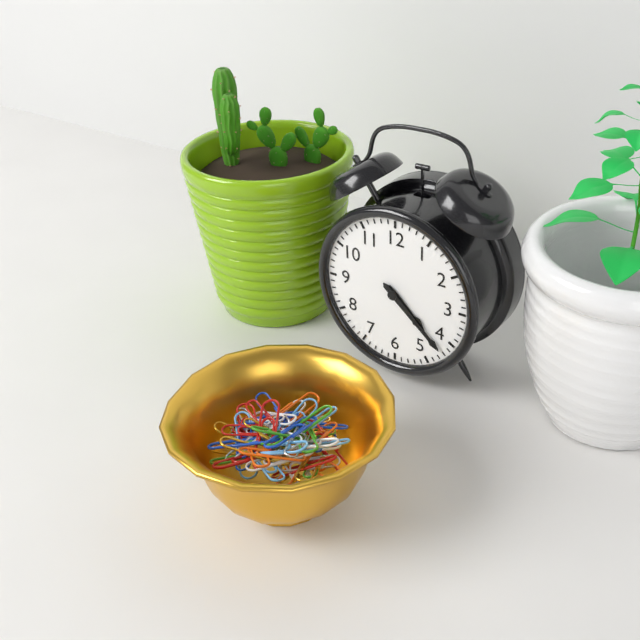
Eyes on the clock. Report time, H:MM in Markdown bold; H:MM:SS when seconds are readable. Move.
**4:22**
